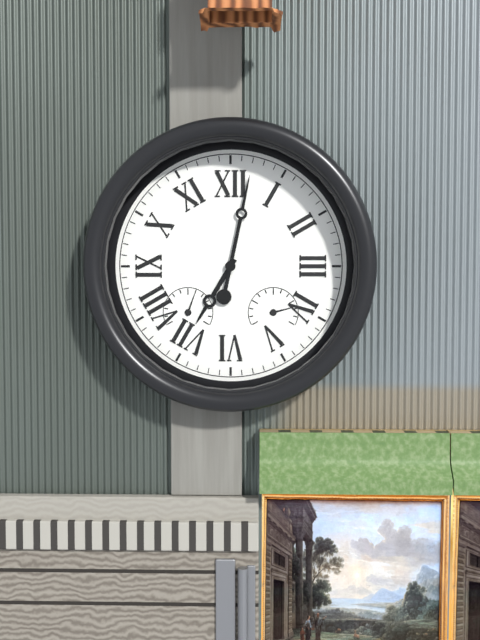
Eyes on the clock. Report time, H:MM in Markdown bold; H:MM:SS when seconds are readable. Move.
**7:02**
